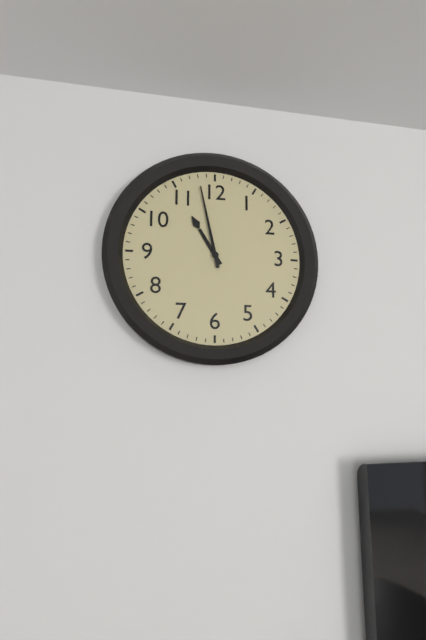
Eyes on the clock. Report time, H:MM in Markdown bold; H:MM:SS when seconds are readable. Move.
**10:58**
